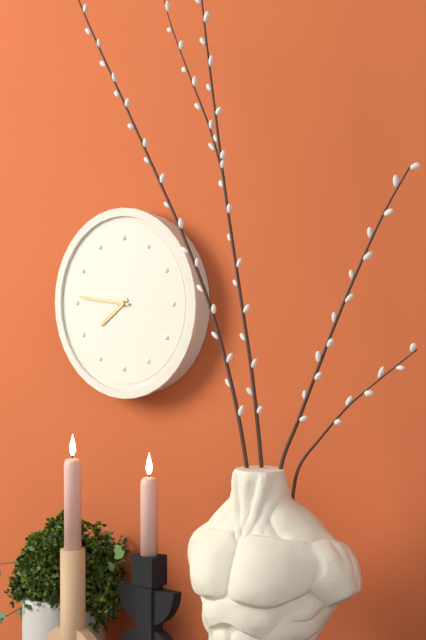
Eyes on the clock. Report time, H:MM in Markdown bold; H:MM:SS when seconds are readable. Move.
**7:46**
